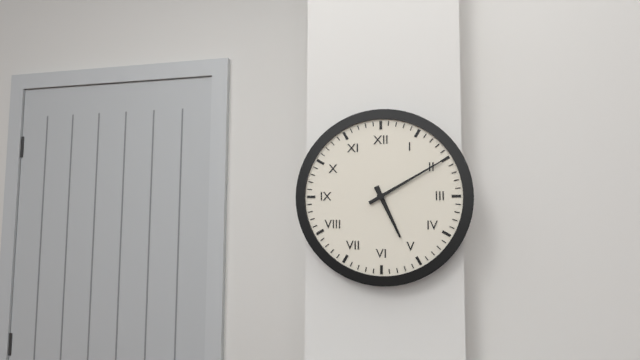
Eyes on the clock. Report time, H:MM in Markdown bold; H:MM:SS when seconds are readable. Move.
**5:10**
